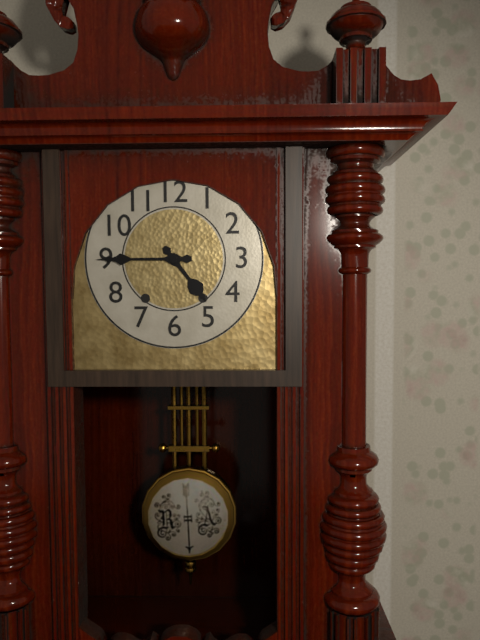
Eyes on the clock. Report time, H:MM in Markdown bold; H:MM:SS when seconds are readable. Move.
**4:45**
